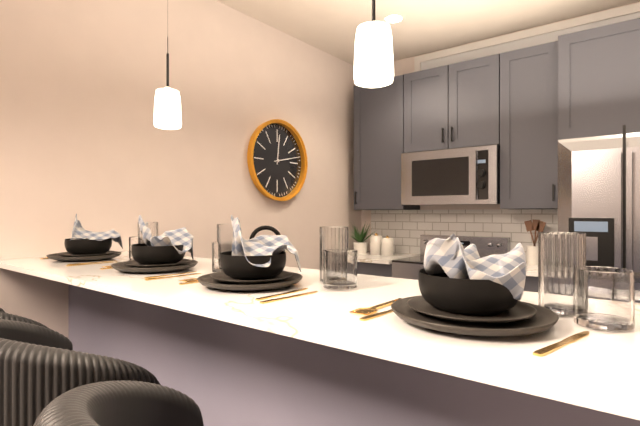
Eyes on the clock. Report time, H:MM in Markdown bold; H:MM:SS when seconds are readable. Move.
**12:13**
